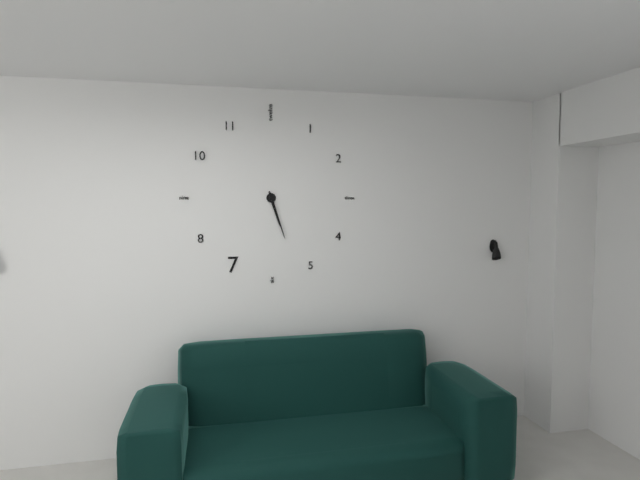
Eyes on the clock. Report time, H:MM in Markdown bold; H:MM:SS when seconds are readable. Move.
**5:27**
